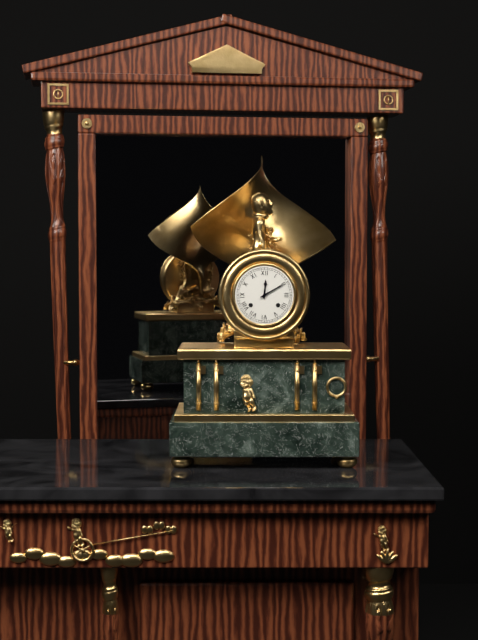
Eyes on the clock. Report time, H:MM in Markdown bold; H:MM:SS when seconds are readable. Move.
**12:10**
